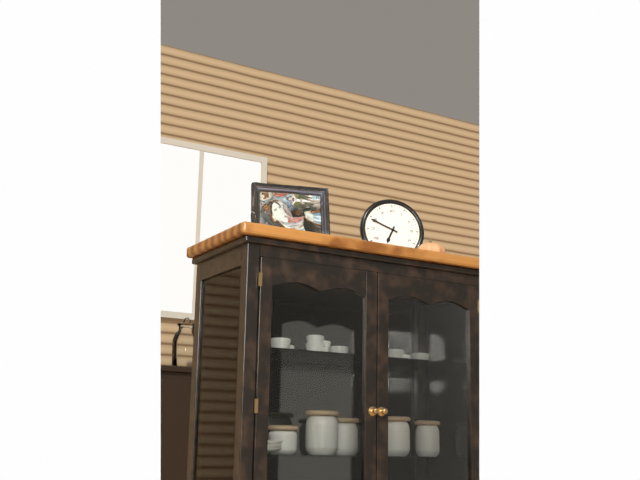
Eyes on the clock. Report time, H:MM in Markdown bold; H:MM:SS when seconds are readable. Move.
**6:49**
